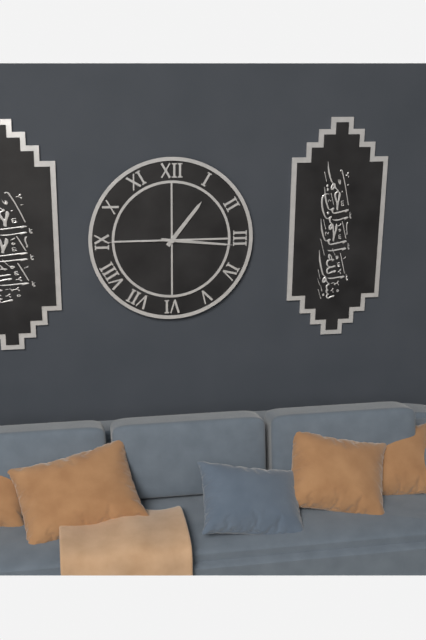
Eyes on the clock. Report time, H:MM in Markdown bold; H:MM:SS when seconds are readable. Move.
**1:16:45**
